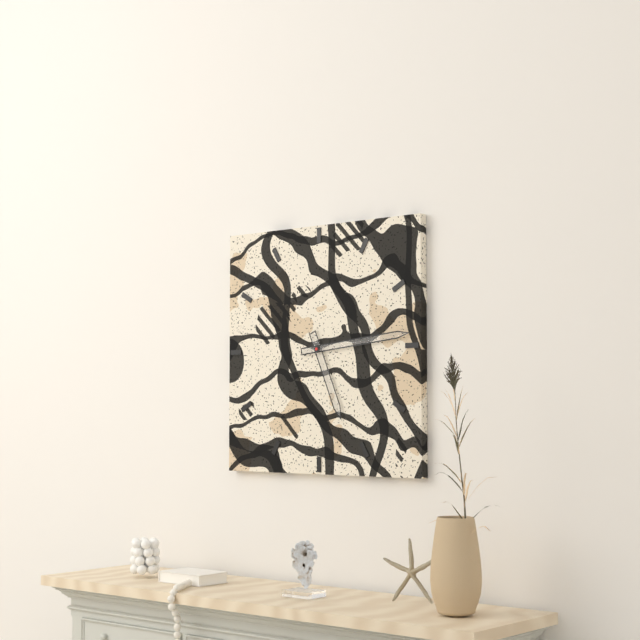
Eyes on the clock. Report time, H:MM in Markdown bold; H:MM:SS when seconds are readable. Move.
**5:14**
